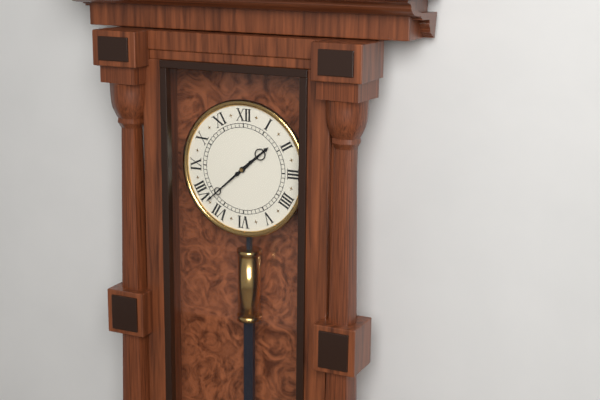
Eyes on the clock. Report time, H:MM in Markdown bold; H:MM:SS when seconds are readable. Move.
**1:38**
